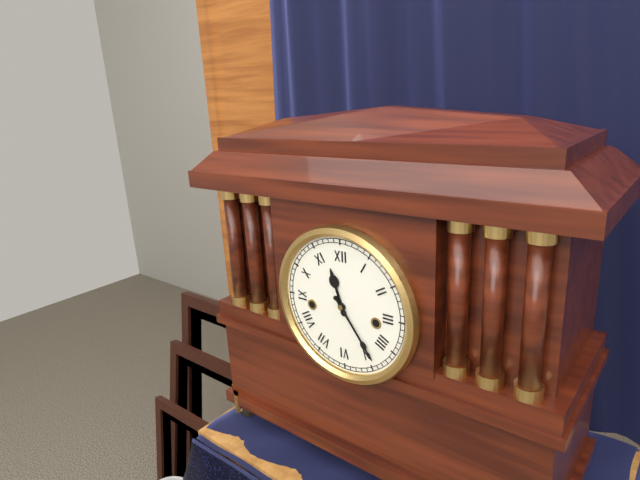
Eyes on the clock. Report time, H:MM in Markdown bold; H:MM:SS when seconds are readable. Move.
**11:24**
